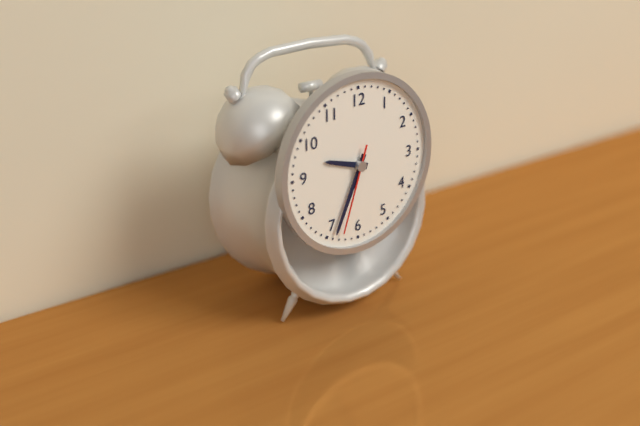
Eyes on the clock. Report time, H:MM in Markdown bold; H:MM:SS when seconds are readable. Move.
**9:34:33**
